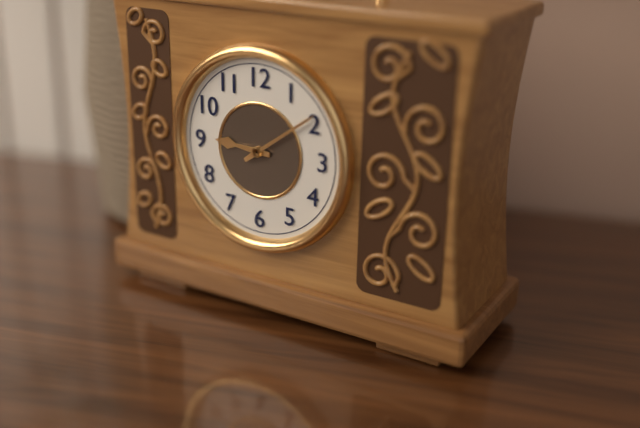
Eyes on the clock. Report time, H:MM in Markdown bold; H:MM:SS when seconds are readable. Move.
**9:09**
